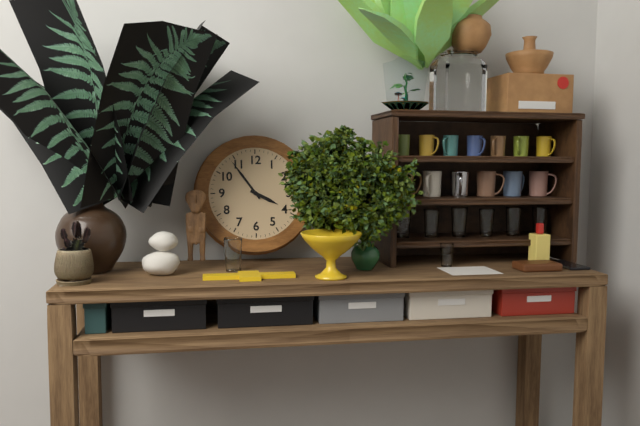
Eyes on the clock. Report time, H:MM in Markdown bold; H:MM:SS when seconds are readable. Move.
**3:54**
